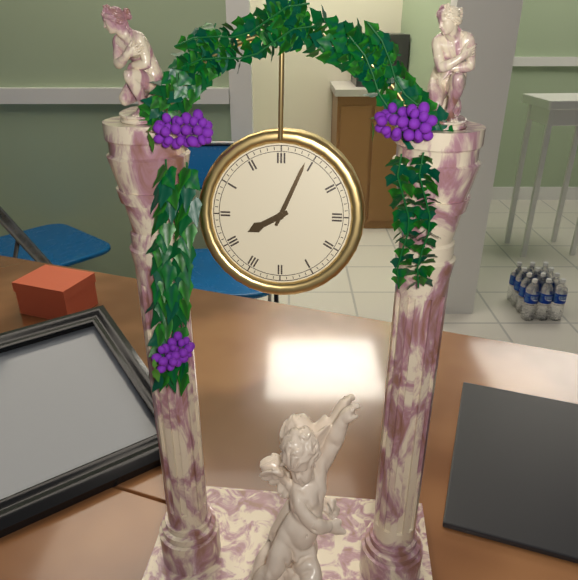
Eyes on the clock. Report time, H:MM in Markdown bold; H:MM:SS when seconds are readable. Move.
**8:04**
